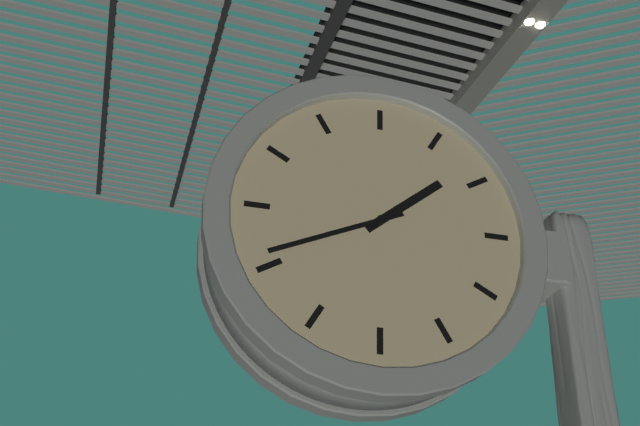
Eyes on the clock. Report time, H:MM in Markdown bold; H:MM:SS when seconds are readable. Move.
**1:41**
